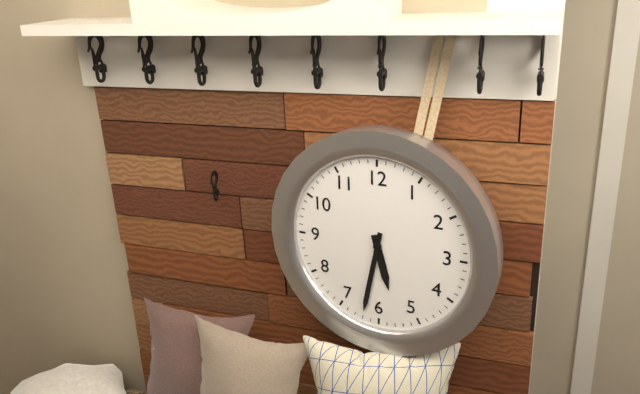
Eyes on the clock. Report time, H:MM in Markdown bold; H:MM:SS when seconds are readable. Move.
**5:32**
